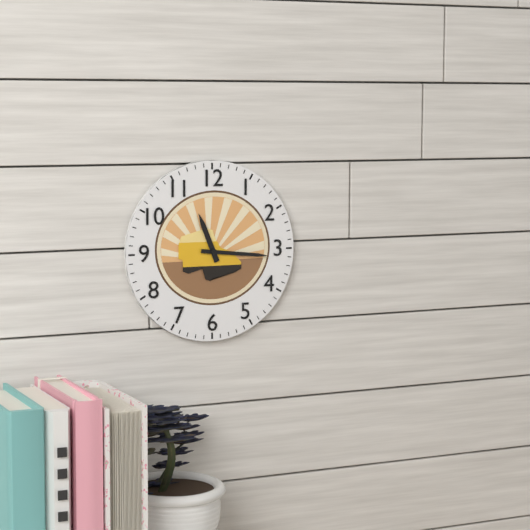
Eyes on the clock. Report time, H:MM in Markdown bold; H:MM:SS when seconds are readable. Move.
**11:16**
